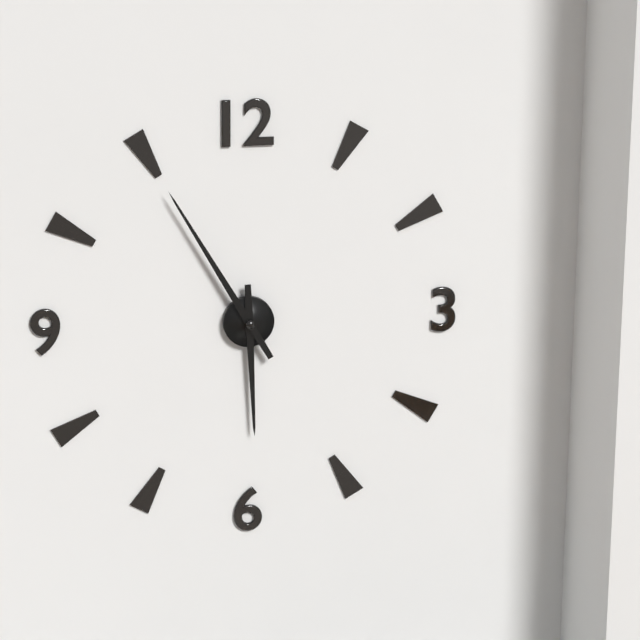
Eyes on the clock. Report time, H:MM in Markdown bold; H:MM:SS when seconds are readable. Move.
**5:55**
